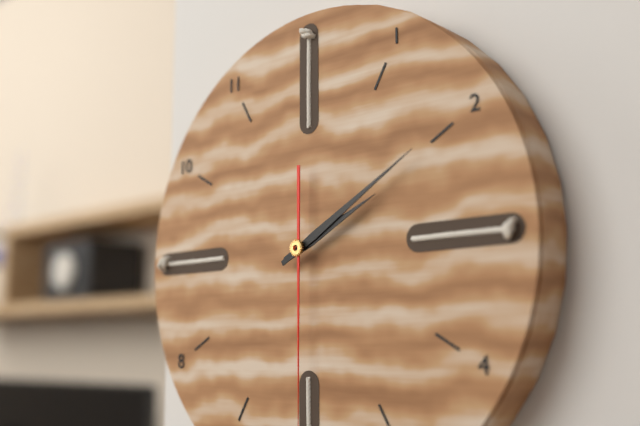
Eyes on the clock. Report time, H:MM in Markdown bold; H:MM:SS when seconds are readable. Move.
**2:10:30**
